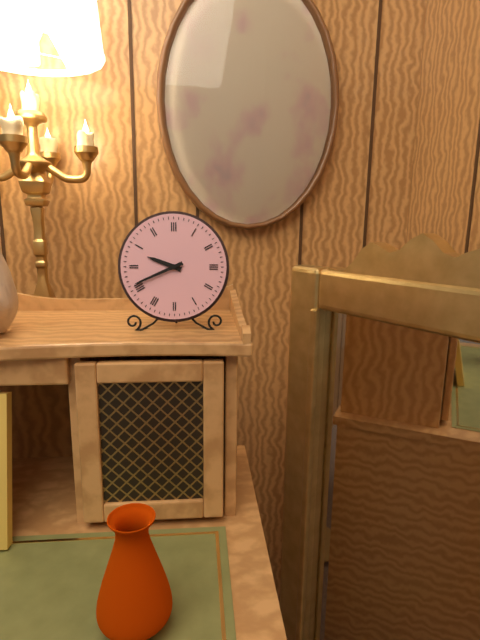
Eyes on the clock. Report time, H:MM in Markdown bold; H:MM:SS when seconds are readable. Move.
**9:41**
